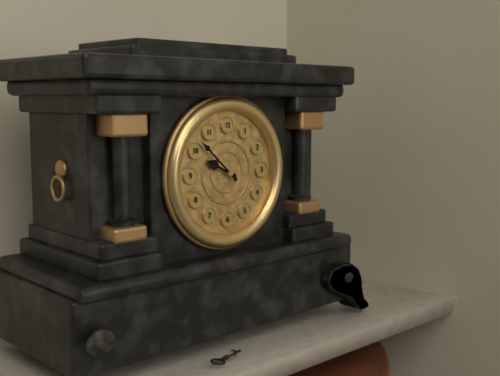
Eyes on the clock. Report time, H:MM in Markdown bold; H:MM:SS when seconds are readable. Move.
**9:52**
